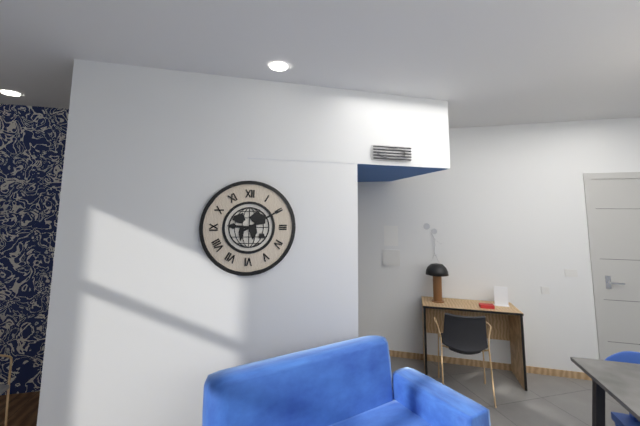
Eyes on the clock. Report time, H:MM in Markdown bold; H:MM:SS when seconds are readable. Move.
**9:10**
